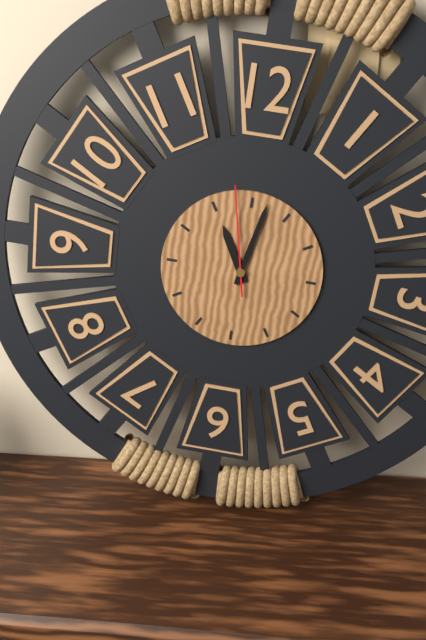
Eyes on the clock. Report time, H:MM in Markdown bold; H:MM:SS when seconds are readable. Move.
**11:02:58**
